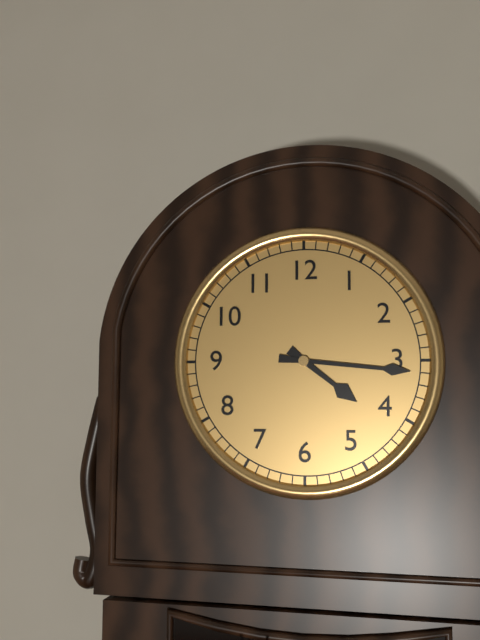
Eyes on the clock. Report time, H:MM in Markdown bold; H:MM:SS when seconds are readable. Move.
**4:16**
